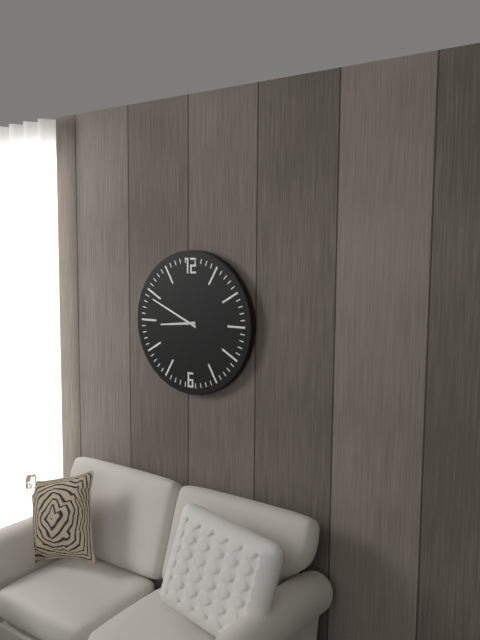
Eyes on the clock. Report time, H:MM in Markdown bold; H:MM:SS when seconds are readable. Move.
**8:49**
